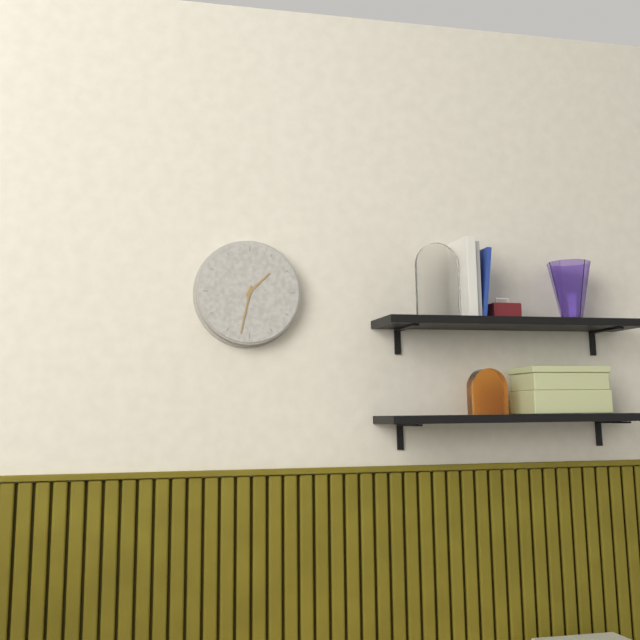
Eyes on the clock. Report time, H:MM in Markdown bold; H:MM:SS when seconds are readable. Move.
**1:32**
